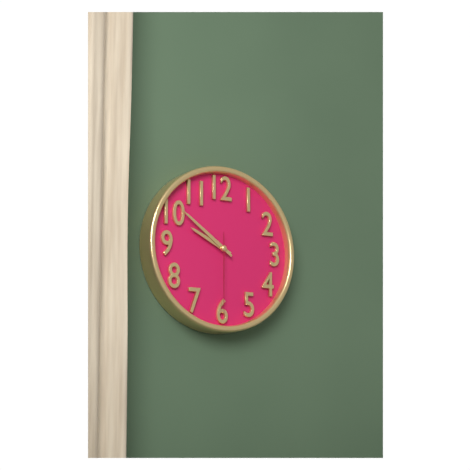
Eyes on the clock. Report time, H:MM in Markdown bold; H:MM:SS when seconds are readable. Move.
**9:51:30**
